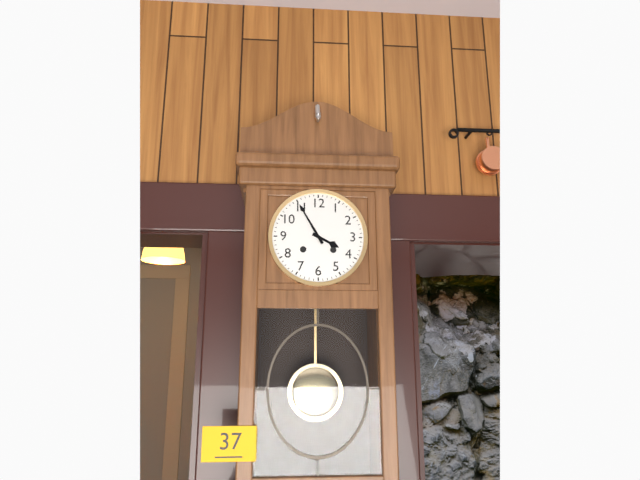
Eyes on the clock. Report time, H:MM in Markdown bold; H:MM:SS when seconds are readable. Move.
**3:55**
